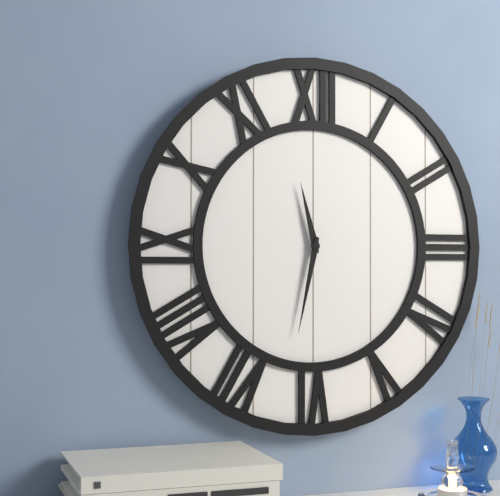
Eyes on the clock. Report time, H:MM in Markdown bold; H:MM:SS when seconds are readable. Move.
**11:32**
